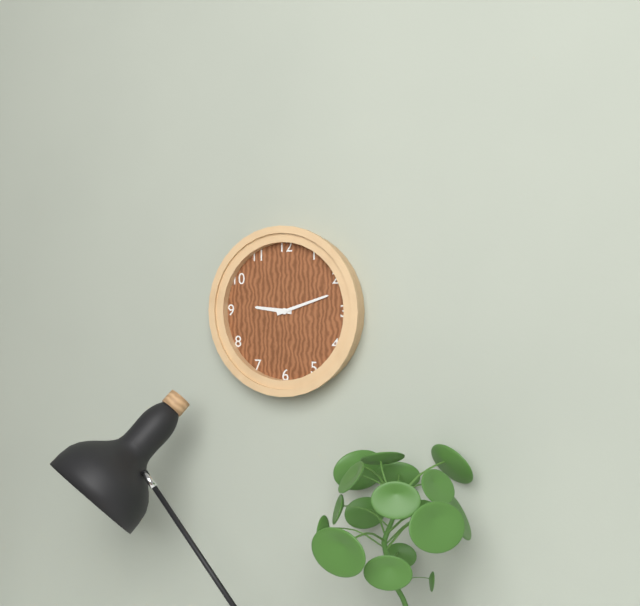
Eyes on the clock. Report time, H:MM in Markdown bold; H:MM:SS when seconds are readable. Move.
**9:12**
